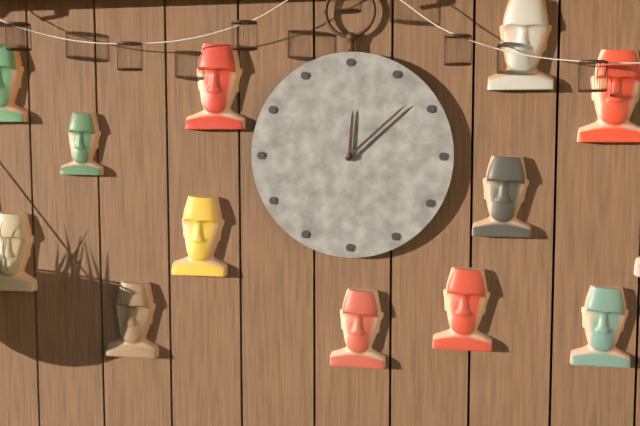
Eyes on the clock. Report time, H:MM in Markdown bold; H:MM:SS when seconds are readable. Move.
**12:08**
